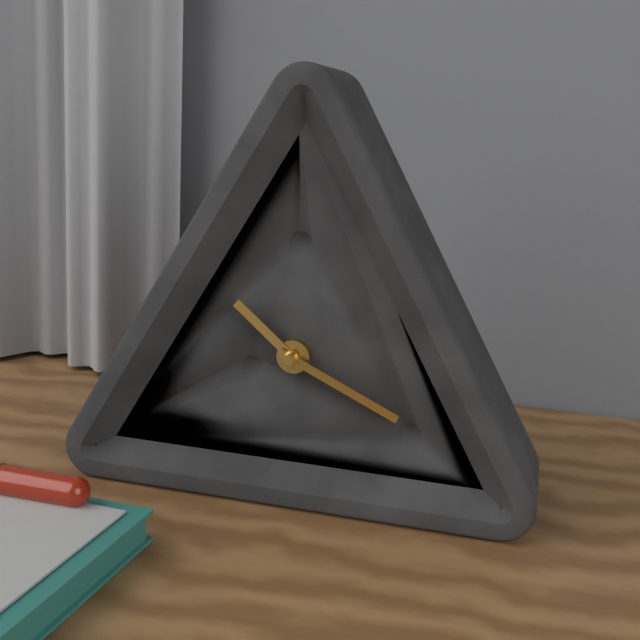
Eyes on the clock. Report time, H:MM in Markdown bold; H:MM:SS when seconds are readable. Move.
**10:19**
